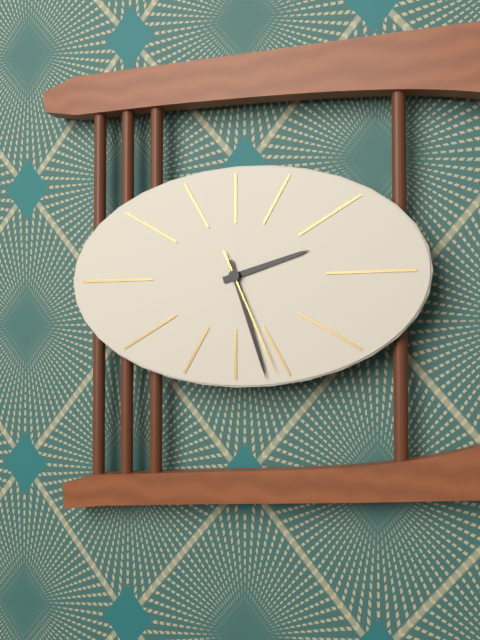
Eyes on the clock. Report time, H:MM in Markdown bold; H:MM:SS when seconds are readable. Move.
**2:27:26**
